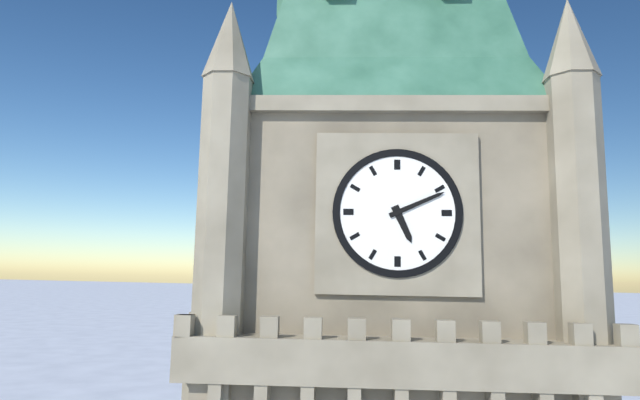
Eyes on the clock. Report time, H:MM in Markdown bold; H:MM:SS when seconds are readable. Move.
**5:11**
